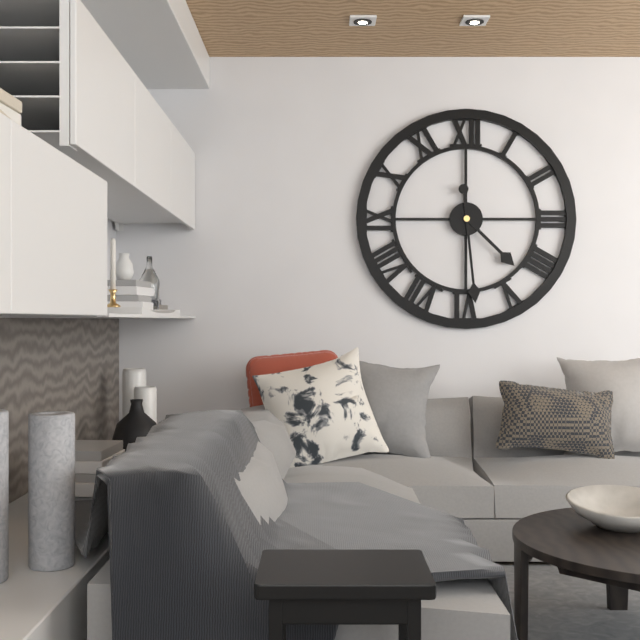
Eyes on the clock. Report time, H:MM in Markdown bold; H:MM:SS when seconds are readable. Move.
**4:29**
